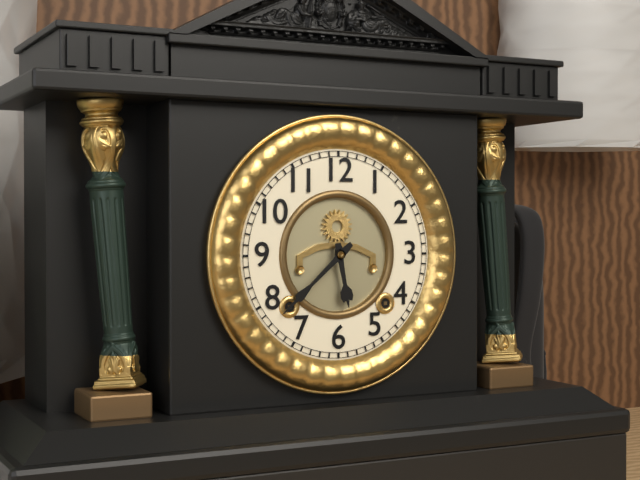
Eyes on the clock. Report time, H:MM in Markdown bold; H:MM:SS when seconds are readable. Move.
**5:38**
